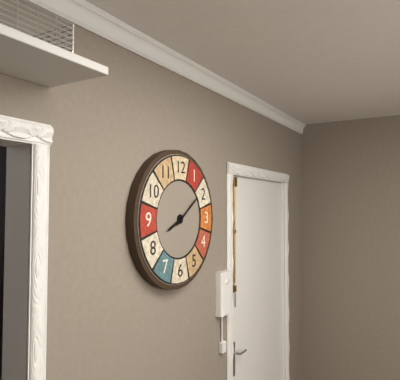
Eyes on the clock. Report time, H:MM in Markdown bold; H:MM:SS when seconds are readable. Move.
**8:09**
